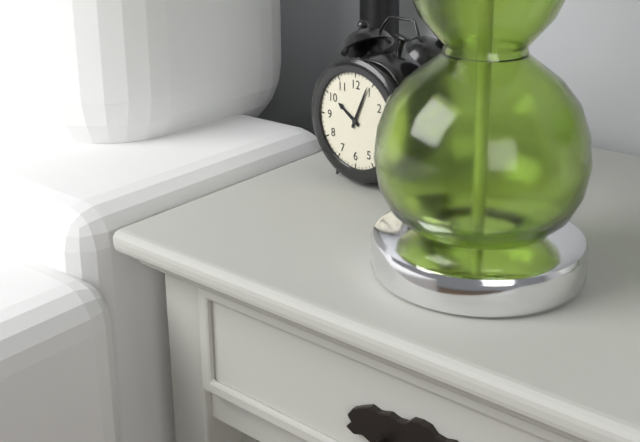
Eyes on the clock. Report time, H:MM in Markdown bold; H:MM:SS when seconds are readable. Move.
**10:04**
